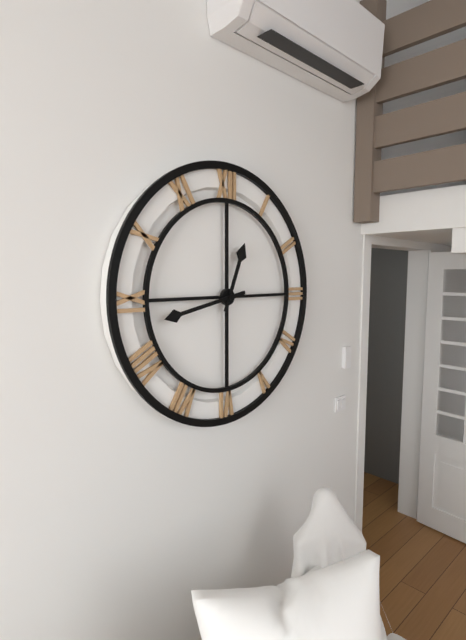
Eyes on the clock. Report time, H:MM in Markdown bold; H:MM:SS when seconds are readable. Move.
**12:43**
